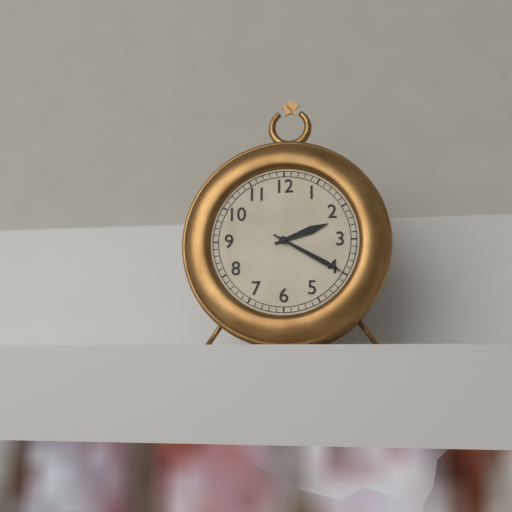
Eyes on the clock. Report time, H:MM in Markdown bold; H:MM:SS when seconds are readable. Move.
**2:20**
